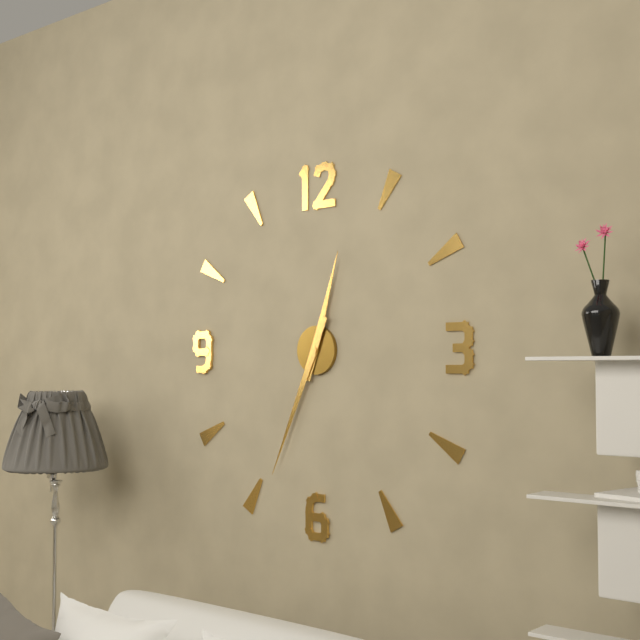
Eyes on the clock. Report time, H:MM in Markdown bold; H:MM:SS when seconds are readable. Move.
**12:34**
